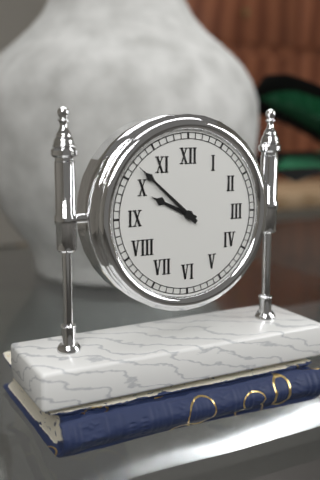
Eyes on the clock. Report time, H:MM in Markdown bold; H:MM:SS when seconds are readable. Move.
**9:52**
